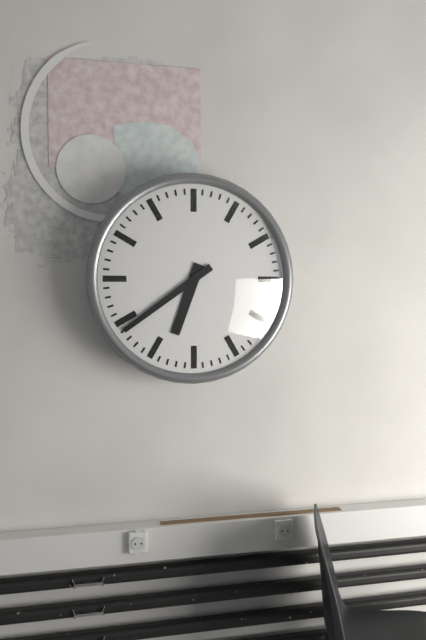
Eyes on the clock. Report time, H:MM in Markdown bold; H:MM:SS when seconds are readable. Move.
**6:39**
